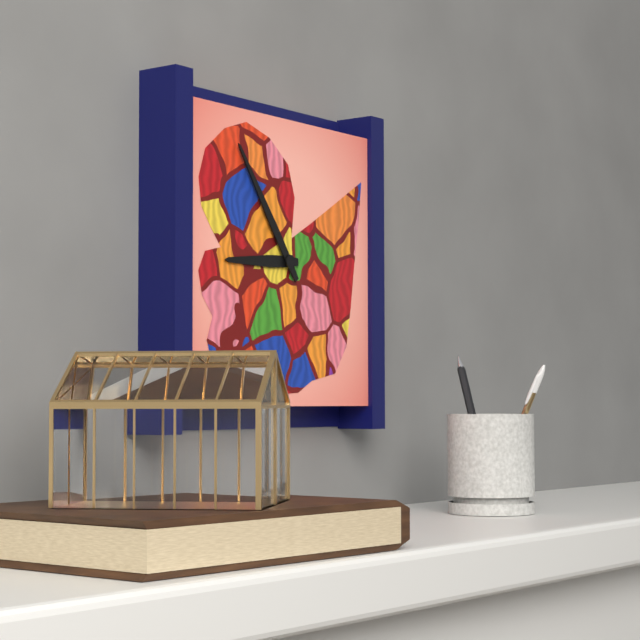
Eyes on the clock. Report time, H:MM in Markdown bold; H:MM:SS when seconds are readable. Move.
**8:54**
